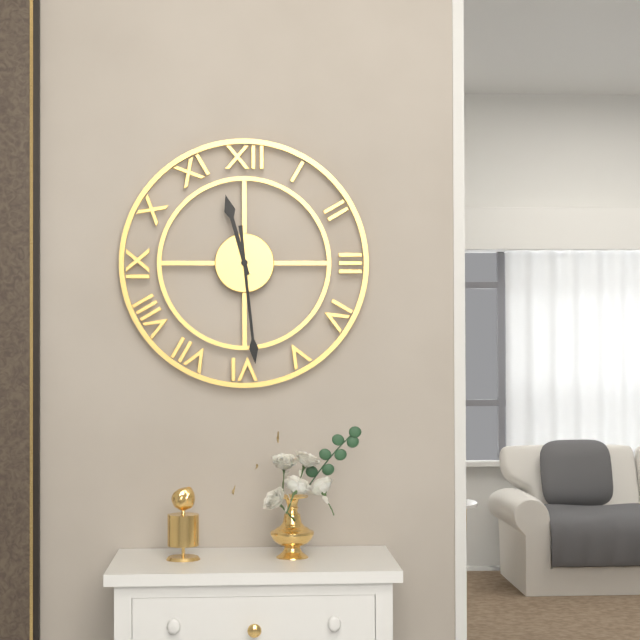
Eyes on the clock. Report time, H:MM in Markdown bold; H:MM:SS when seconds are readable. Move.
**11:29**
